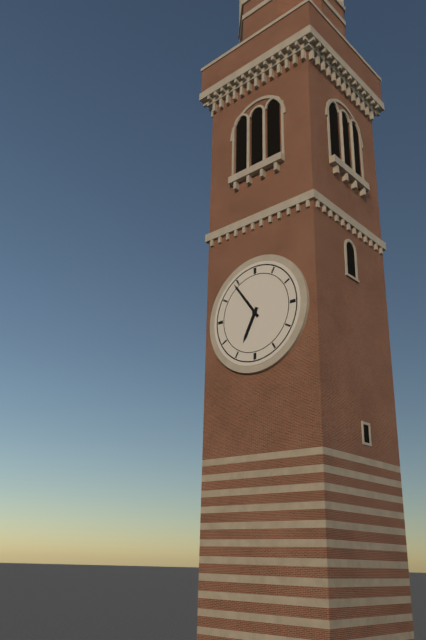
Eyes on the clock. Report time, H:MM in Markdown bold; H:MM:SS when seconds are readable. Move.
**6:54**
